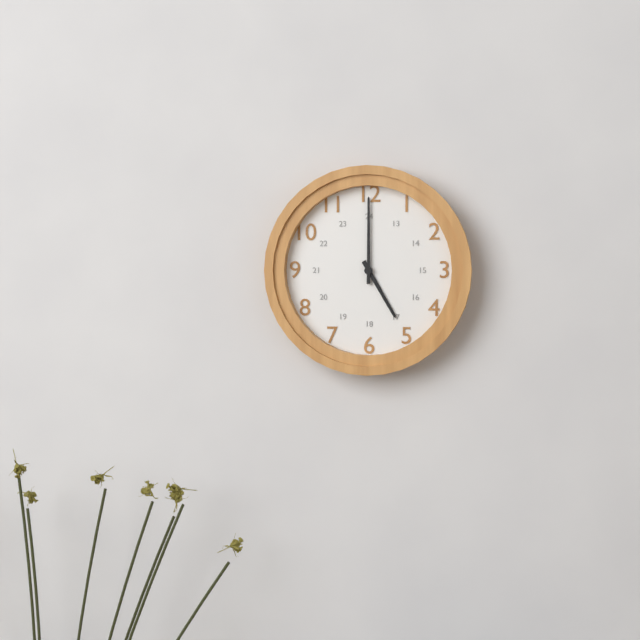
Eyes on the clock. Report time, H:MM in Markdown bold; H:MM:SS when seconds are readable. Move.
**5:00**
